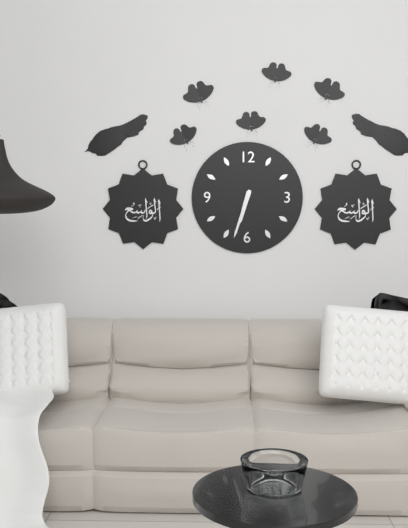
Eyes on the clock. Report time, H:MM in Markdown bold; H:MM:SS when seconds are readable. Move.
**6:33**
